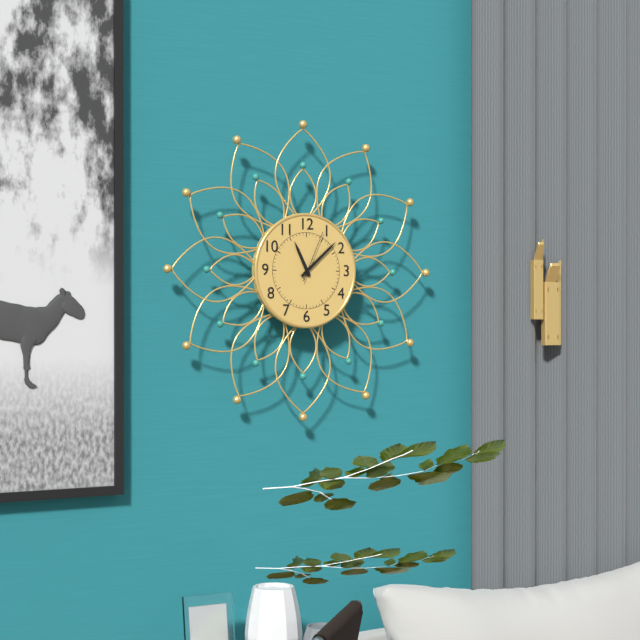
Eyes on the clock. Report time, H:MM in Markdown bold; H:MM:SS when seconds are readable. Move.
**11:08:04**
